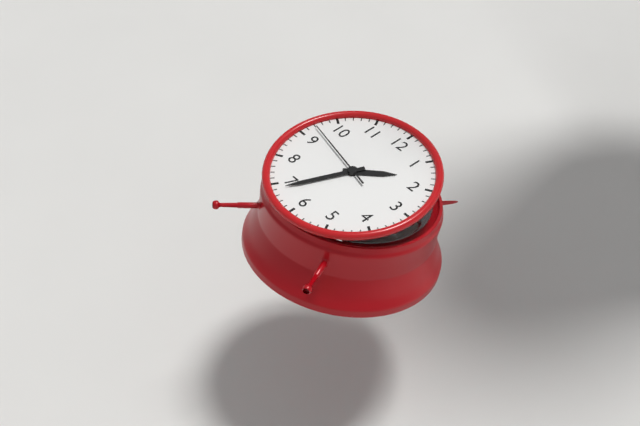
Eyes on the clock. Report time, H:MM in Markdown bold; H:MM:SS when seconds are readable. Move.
**1:34:47**
